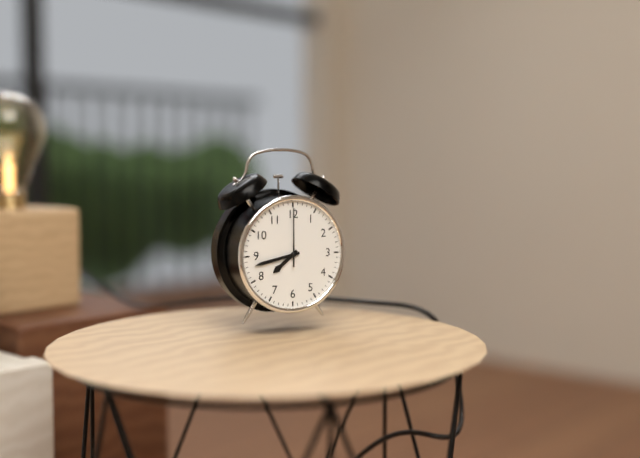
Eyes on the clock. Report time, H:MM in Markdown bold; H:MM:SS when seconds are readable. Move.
**7:43:00**
